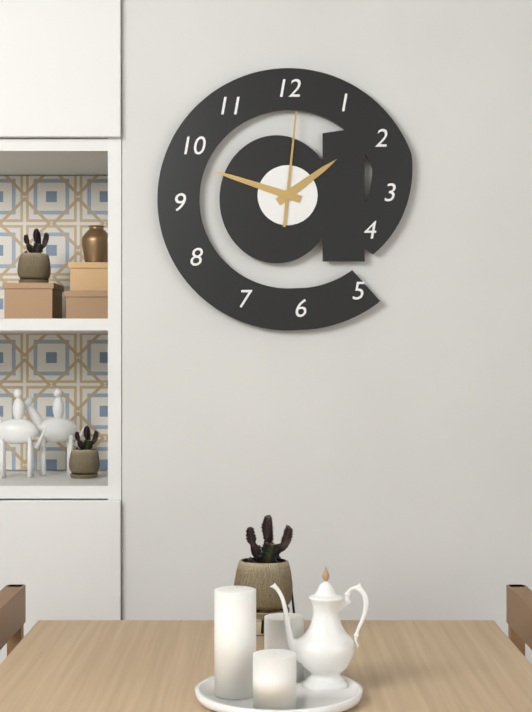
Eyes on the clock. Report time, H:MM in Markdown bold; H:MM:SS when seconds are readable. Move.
**1:48:01**
